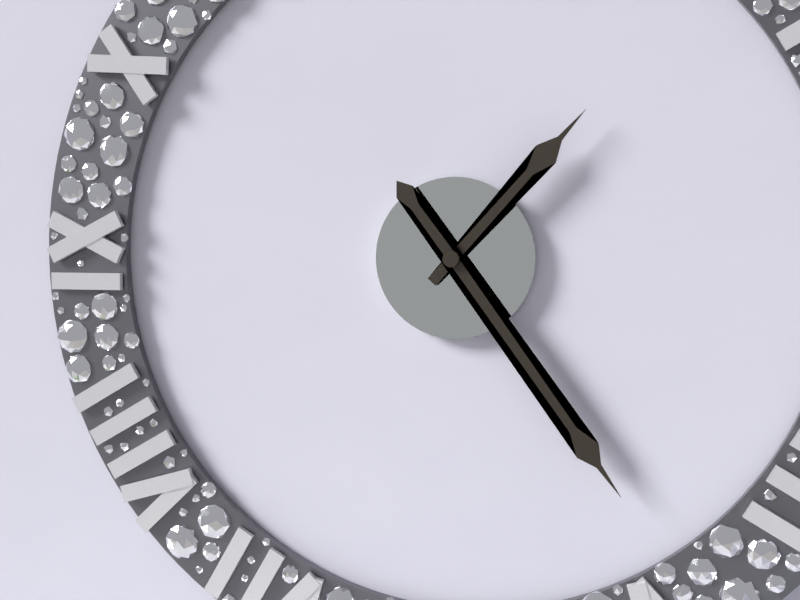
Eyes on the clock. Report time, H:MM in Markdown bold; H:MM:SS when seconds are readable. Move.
**1:24**
